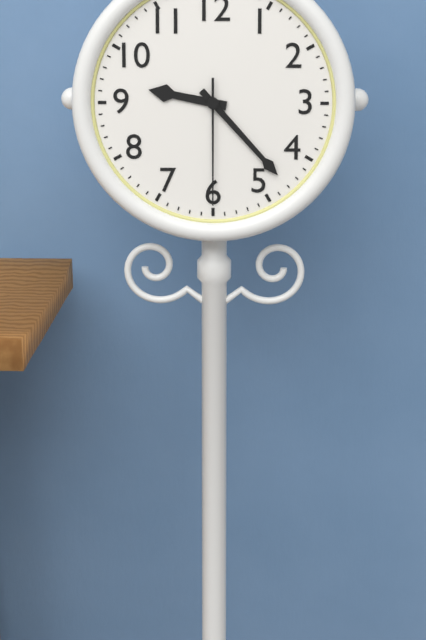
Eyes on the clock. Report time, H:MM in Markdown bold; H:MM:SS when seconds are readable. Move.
**9:23:30**
